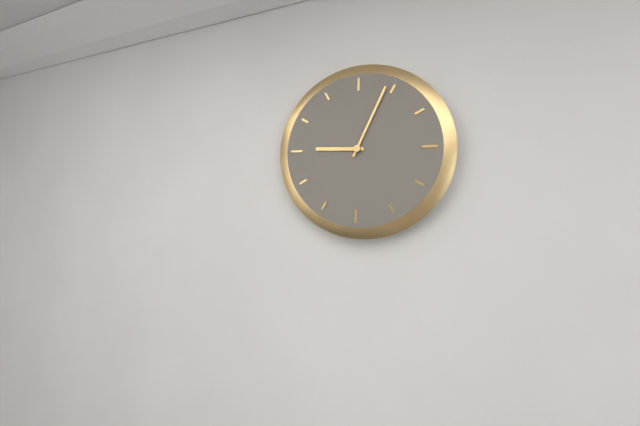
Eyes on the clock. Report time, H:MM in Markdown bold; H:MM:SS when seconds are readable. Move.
**9:04**
